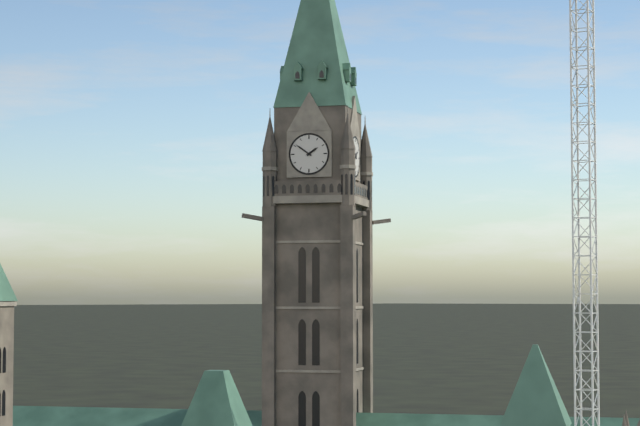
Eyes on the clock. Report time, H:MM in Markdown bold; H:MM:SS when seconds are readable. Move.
**1:51**
